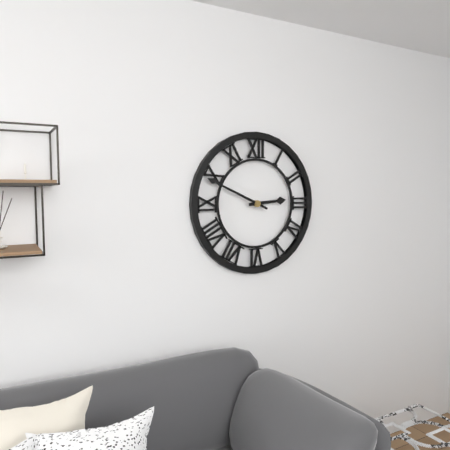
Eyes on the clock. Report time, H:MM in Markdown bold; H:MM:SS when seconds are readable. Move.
**2:49**
